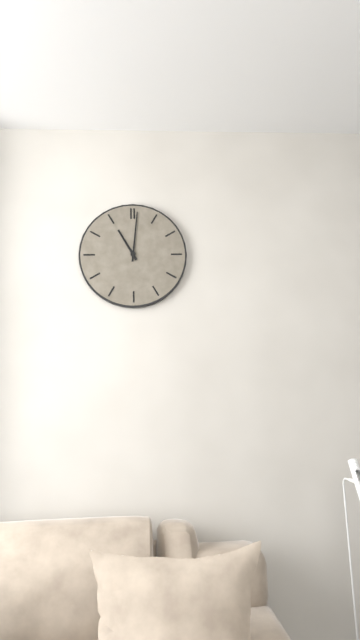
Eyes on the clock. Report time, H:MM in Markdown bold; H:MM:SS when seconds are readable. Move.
**11:01**
